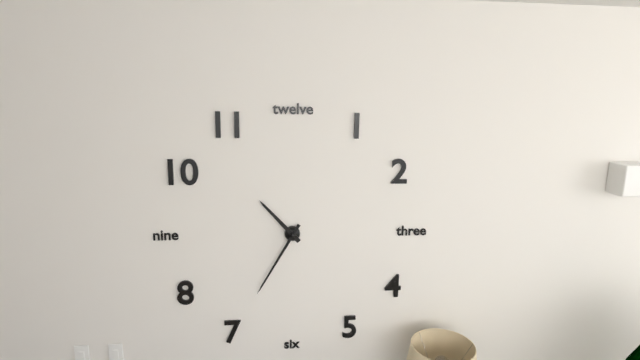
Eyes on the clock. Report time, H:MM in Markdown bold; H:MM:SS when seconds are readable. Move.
**10:35**
